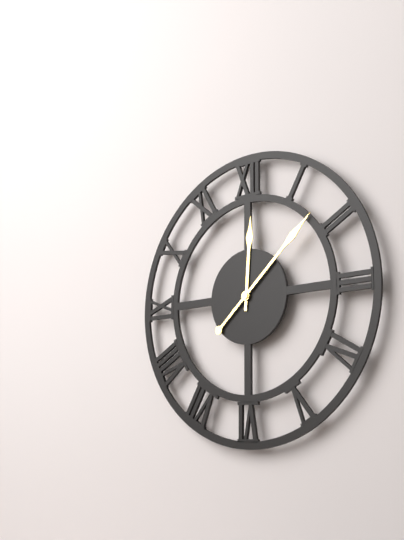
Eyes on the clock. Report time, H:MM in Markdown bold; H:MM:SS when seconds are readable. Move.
**12:08**
